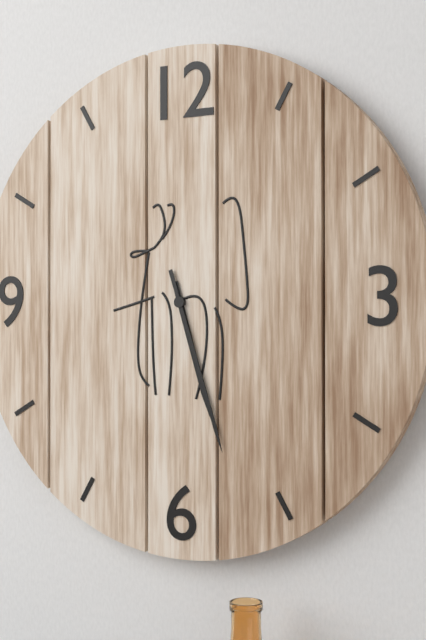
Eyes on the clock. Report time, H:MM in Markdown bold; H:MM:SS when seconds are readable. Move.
**5:27**
